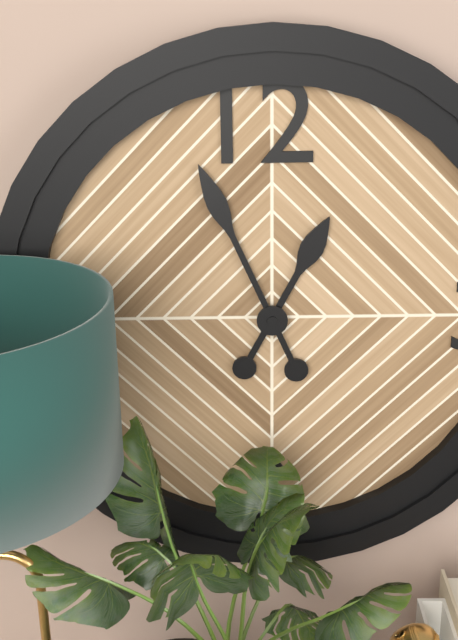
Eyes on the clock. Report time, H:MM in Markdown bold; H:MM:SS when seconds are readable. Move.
**12:56**
